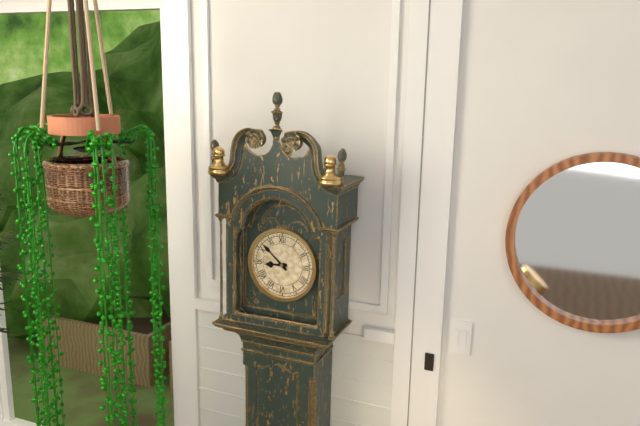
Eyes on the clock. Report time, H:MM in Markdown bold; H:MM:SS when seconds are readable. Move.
**8:52**
